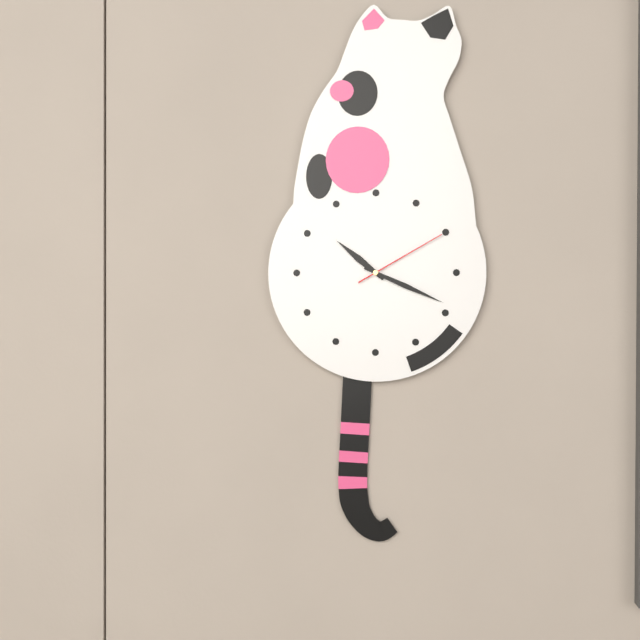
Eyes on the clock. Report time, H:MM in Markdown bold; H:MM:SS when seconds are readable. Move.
**10:19:10**
